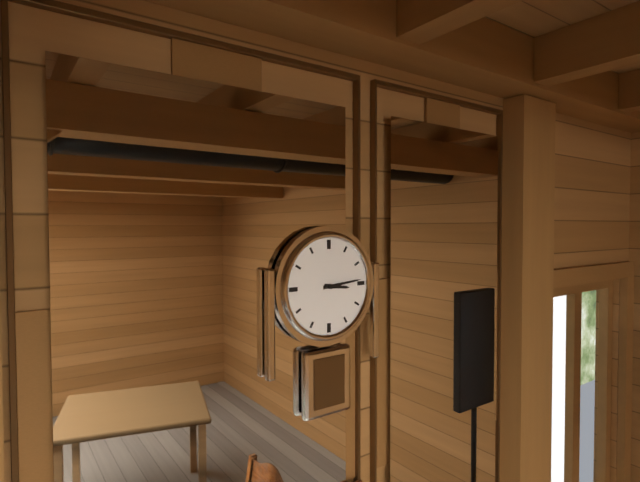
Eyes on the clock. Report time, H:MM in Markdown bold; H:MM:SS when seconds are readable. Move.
**3:14**
